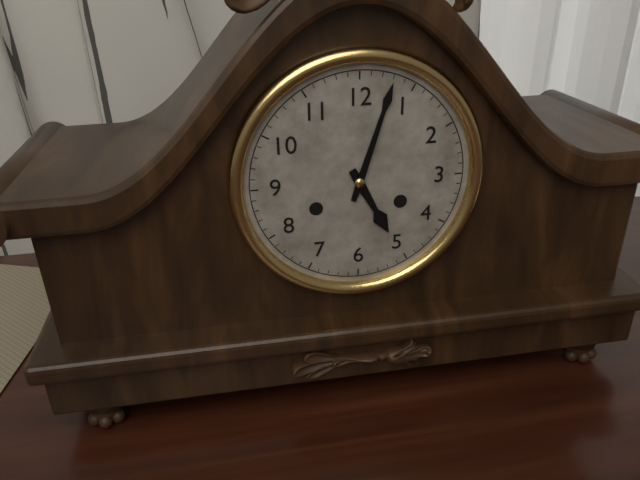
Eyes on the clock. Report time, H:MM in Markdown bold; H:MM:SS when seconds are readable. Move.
**5:03**
